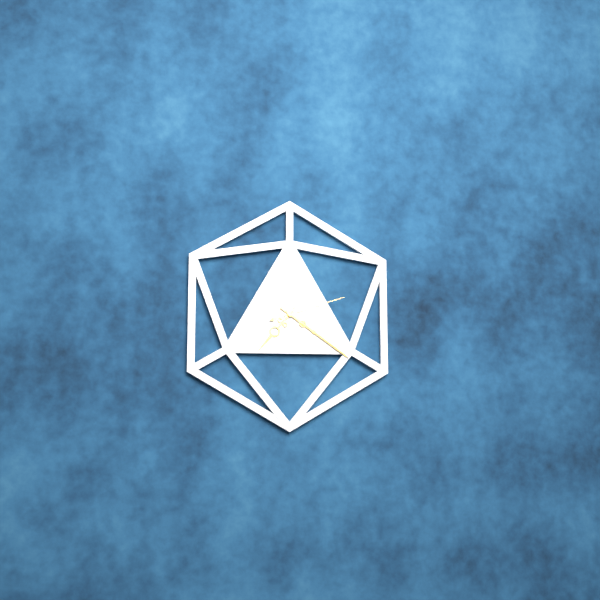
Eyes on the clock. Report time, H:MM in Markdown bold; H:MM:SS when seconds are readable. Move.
**7:21:12**
